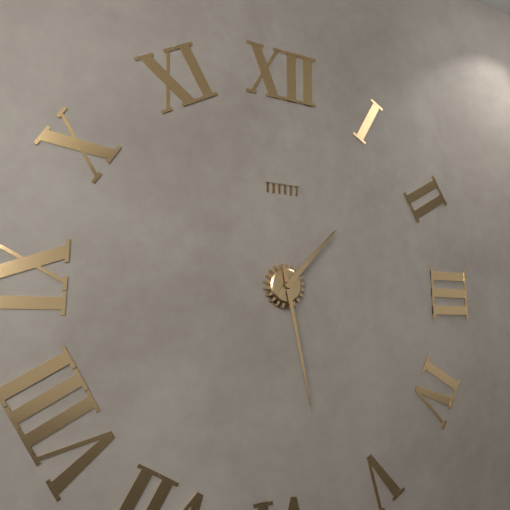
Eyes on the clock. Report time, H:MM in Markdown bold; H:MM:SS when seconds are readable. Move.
**1:28**
